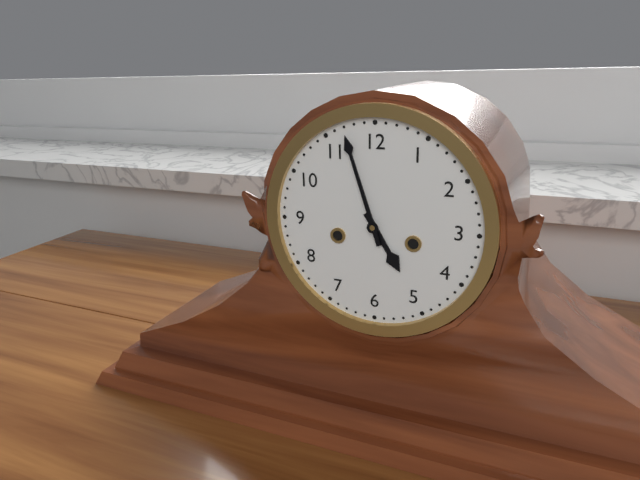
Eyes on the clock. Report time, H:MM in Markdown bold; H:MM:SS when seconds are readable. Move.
**4:57**
